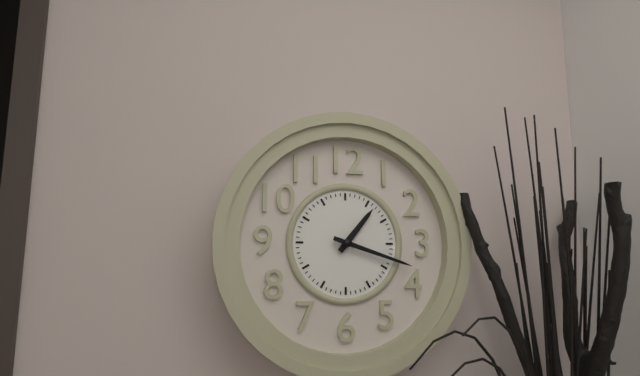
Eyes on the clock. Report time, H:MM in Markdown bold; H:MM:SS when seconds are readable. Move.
**1:18**
